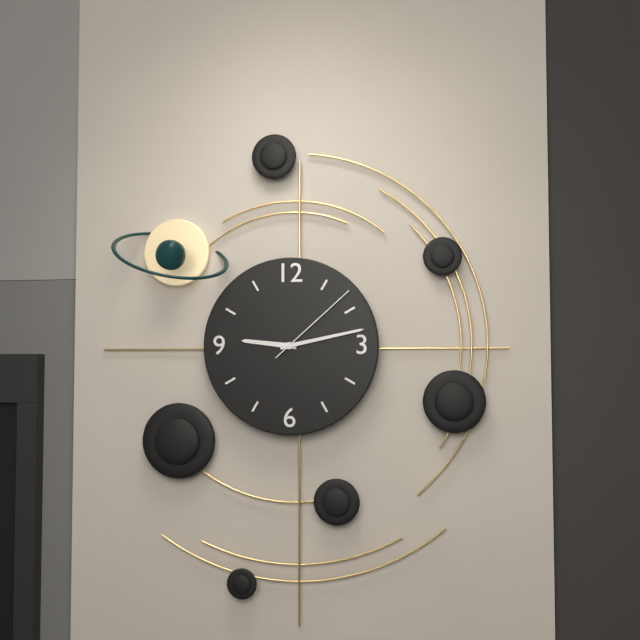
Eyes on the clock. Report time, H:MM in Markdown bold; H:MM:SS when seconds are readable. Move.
**9:13:08**
